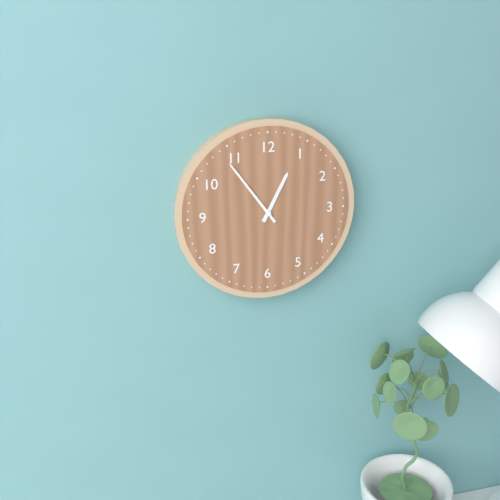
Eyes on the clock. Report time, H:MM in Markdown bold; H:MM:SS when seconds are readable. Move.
**12:54**
